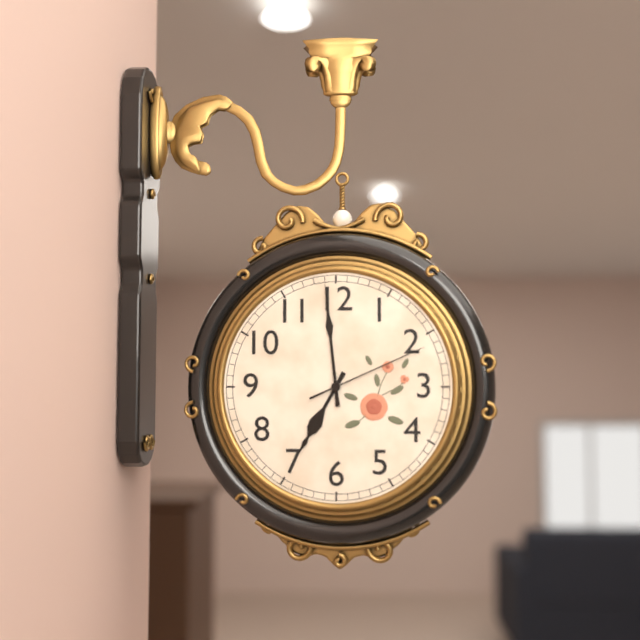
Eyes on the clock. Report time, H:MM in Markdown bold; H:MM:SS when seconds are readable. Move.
**6:59:11**
